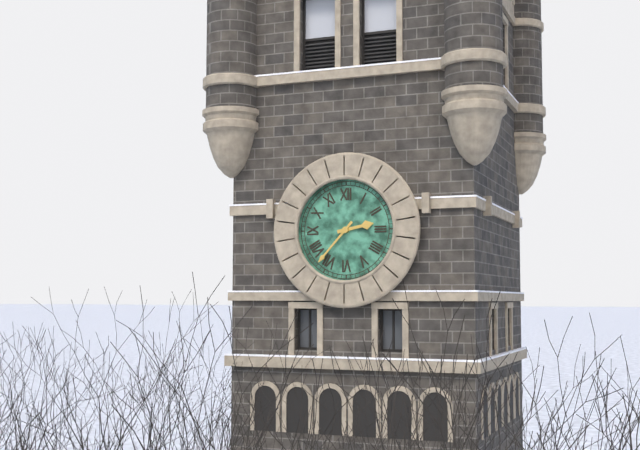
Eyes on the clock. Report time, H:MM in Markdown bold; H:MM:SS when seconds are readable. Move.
**2:37**
